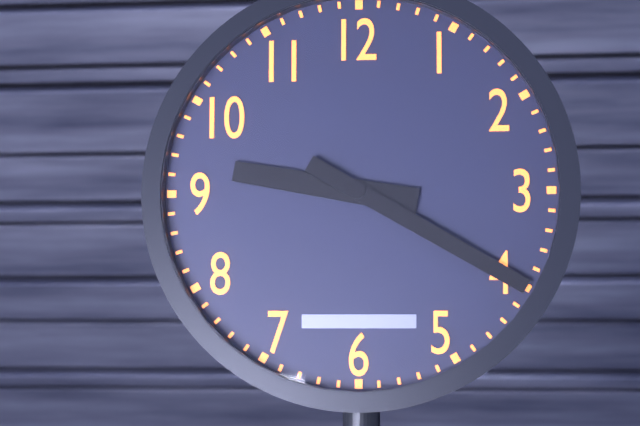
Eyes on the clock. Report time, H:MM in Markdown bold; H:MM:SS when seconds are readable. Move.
**9:20**
